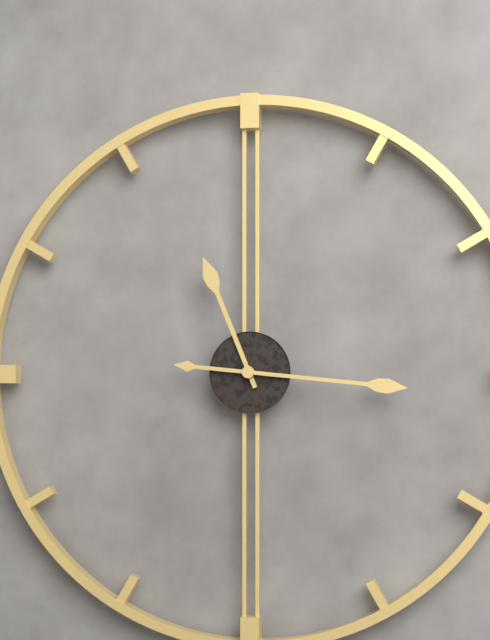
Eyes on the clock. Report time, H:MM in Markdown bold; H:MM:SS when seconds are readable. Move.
**11:16**
